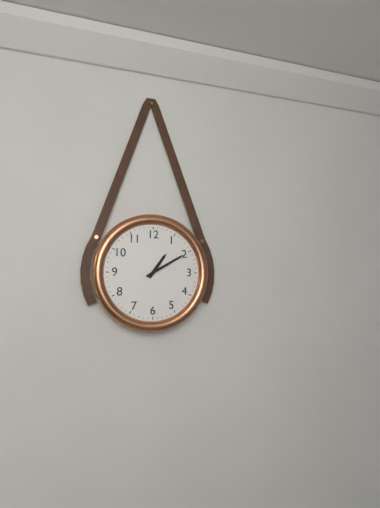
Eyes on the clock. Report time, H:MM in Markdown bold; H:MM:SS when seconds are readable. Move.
**1:10**
